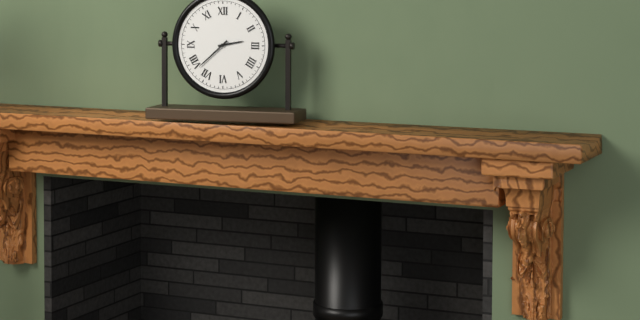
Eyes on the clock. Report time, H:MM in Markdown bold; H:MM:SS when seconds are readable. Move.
**2:38**
